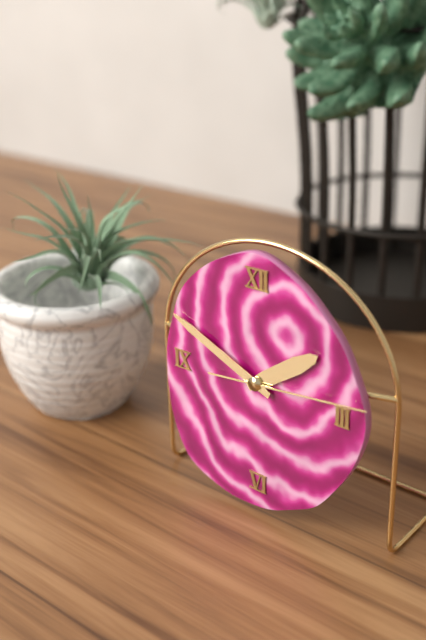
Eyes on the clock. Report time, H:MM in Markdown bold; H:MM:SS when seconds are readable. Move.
**1:49:14**
